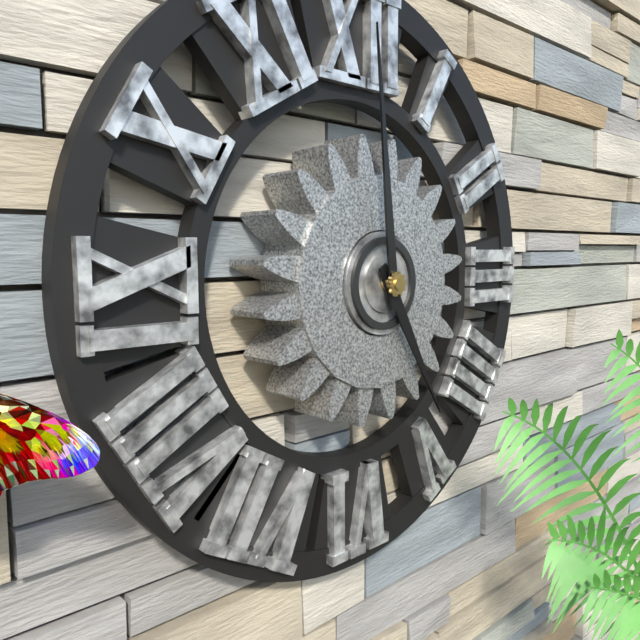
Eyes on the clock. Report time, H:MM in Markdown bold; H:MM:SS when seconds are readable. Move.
**4:59**
